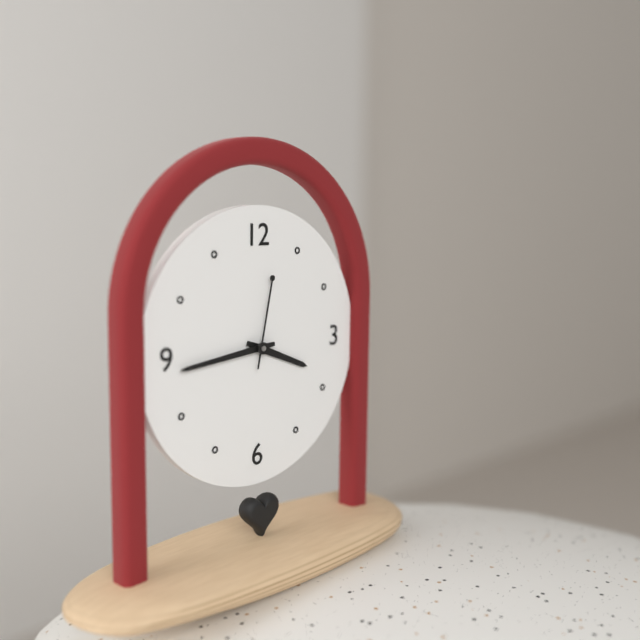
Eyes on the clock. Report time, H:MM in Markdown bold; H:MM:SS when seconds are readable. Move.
**3:44:02**
